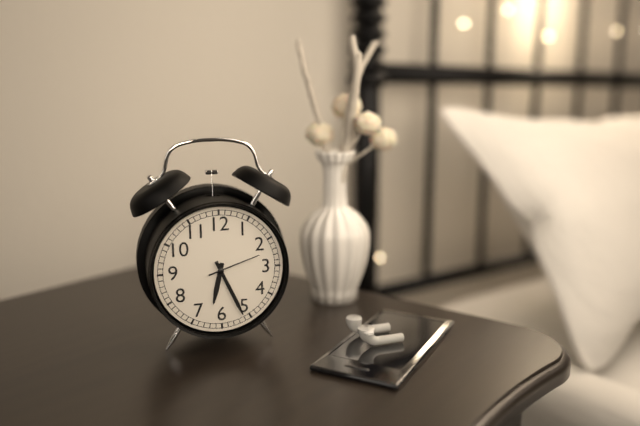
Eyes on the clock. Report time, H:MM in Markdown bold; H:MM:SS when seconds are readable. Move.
**6:26:12**
